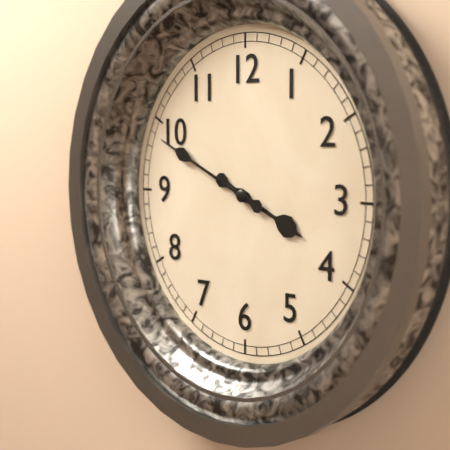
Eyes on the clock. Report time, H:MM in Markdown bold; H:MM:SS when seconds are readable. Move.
**3:49**
